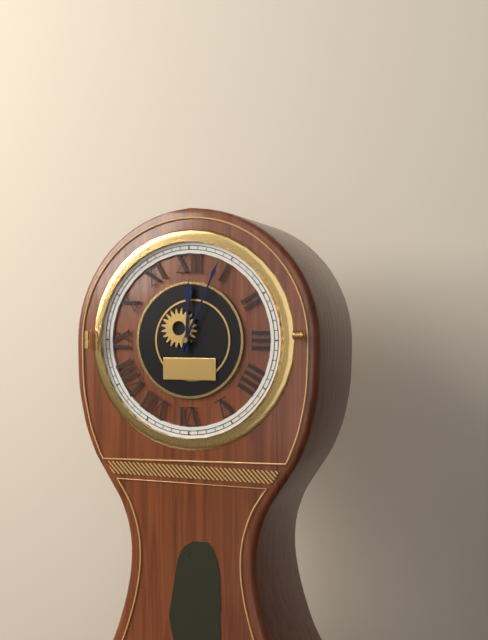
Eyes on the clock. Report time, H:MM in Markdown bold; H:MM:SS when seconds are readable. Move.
**12:04**
